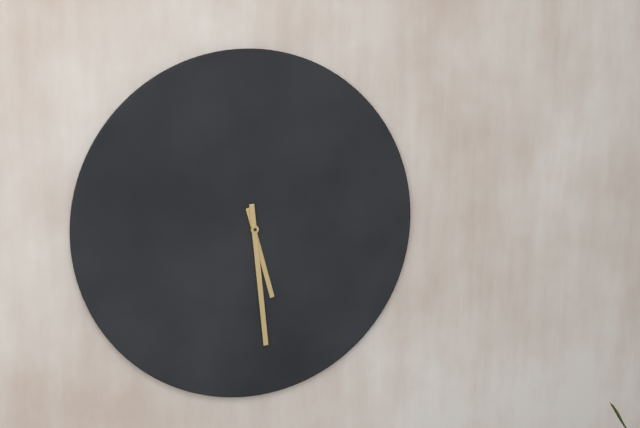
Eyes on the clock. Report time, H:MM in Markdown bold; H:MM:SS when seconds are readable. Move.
**5:29**
